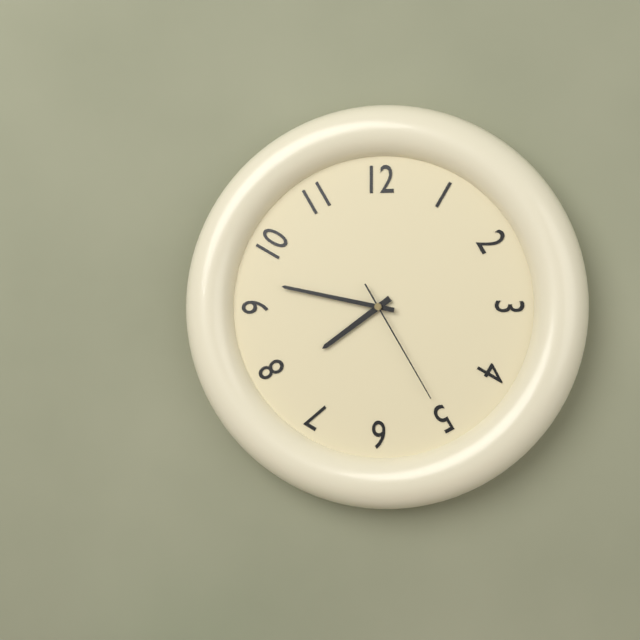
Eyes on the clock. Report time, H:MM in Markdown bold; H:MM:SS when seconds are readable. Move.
**7:47:25**
